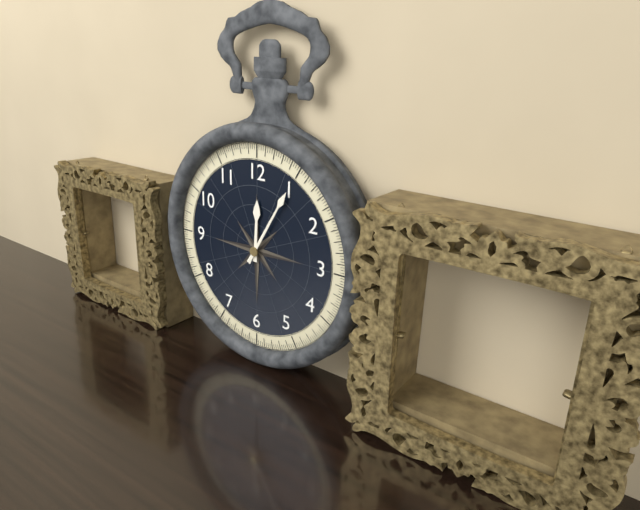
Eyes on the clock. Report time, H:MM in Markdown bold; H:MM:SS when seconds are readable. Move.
**12:05**
